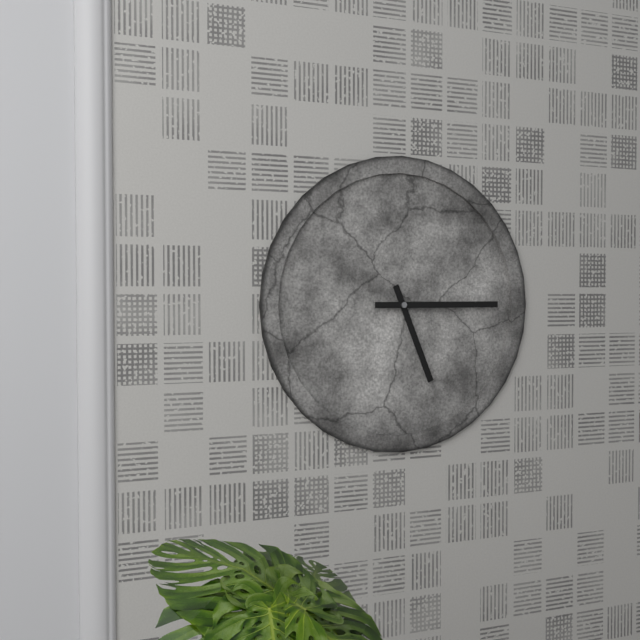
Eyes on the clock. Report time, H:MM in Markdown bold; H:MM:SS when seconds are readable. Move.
**5:15**
